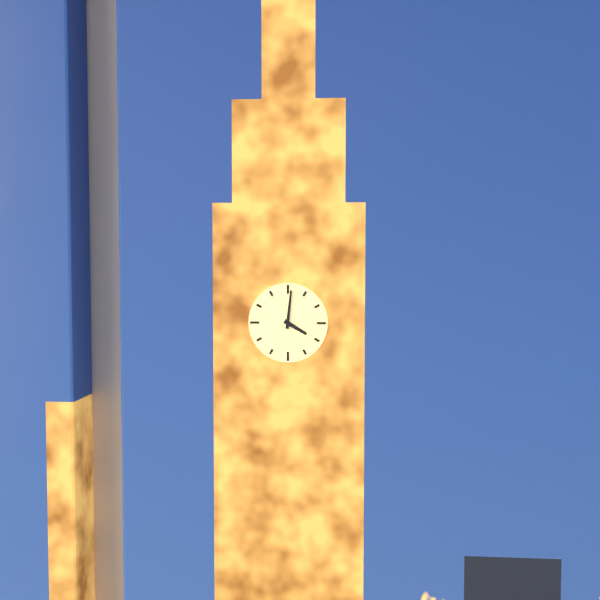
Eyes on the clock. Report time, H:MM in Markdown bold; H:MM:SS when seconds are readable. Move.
**4:01**
